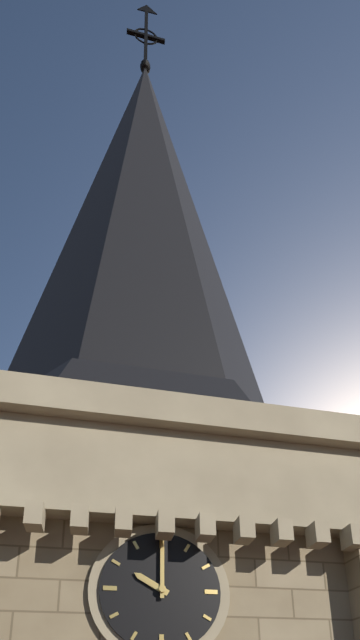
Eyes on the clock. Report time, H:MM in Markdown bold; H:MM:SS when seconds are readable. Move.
**10:00**
